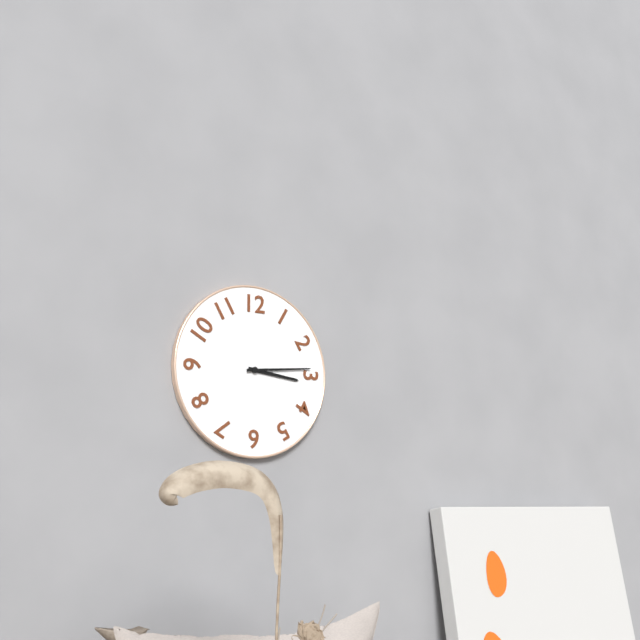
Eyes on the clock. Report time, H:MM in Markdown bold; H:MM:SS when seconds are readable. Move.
**3:14**
